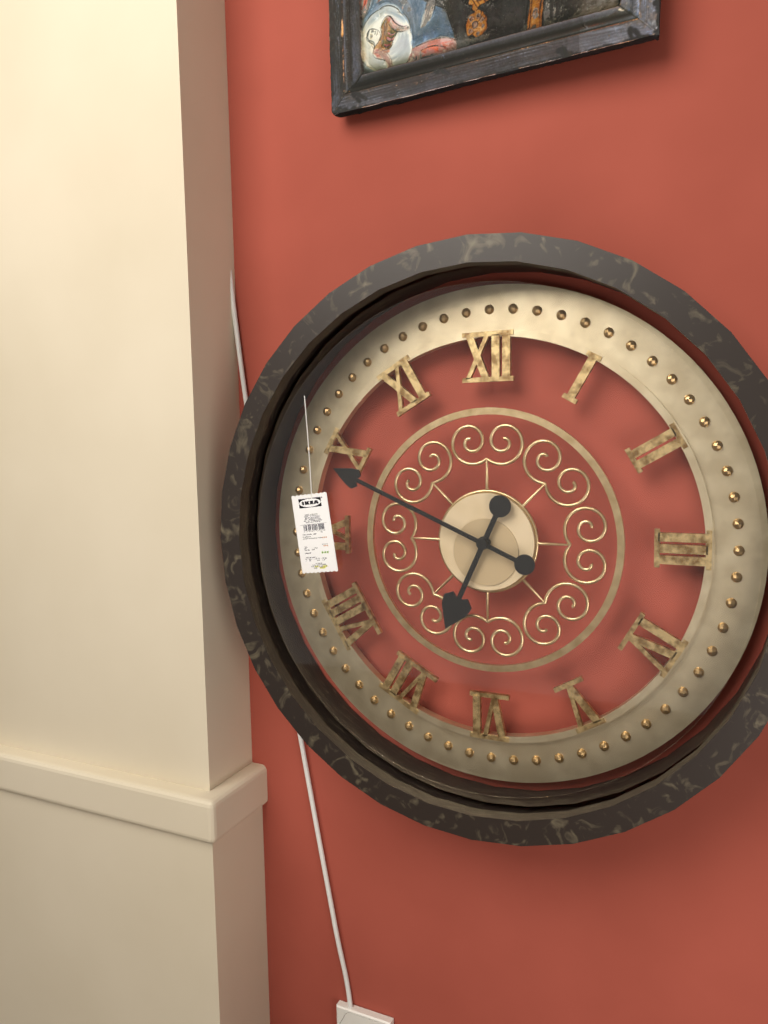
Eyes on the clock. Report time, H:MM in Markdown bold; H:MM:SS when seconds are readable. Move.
**6:49**
